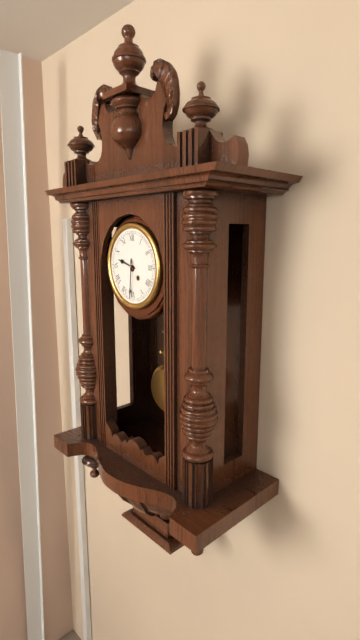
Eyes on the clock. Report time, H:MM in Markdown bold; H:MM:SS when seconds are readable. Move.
**9:31**
